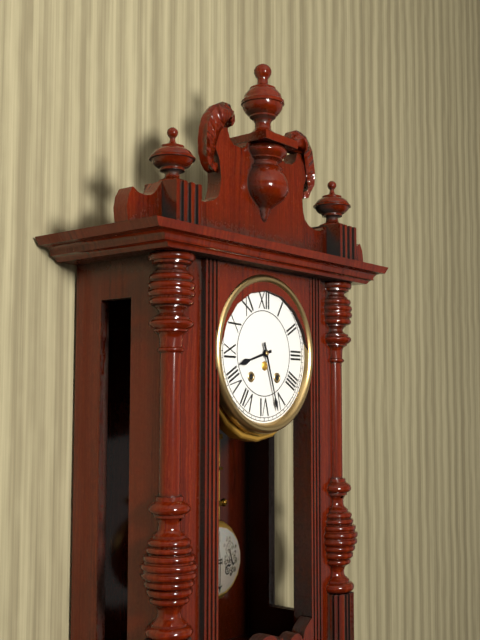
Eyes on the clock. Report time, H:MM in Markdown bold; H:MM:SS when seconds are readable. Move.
**8:27**
